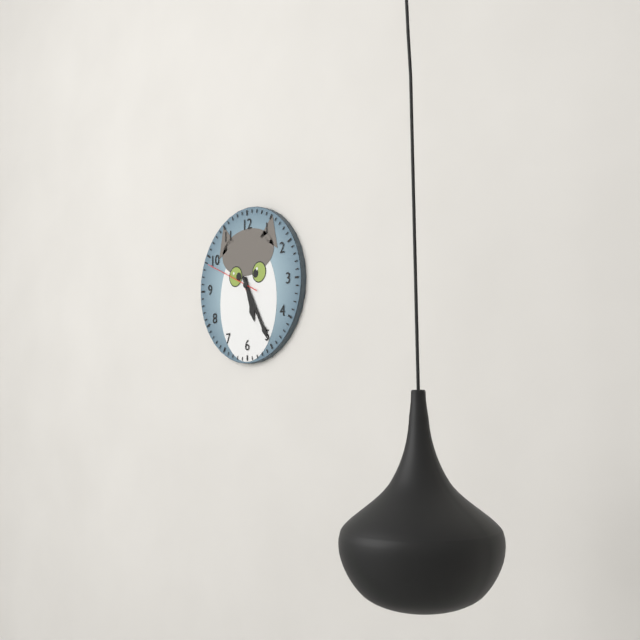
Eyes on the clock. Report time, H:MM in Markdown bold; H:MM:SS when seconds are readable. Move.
**5:25:49**
